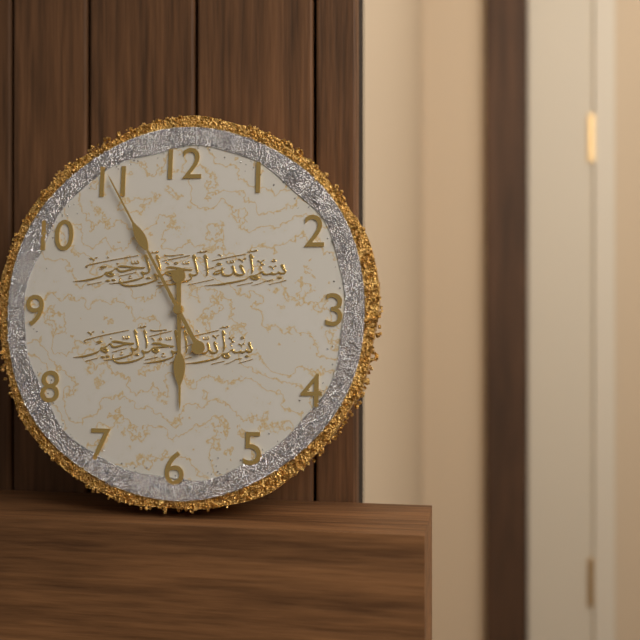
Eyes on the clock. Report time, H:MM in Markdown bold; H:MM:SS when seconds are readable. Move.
**5:55**
